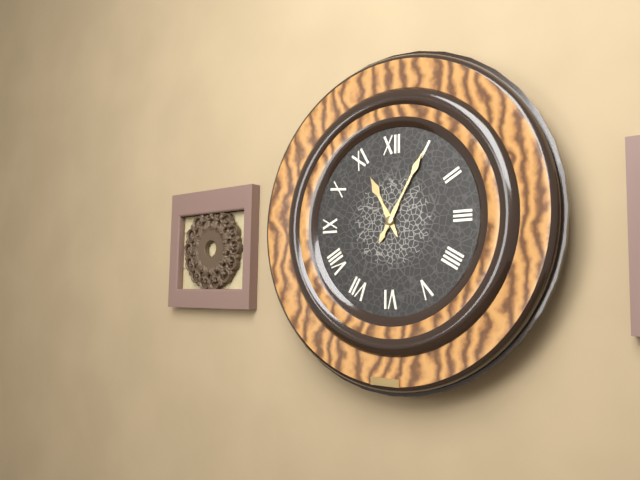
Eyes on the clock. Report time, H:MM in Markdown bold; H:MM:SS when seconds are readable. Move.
**11:05**
